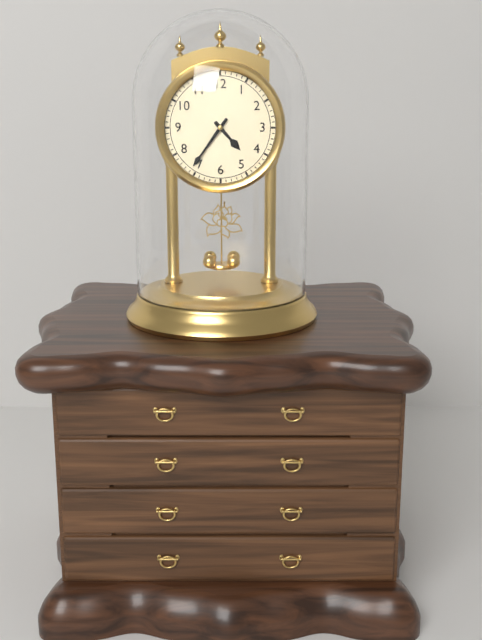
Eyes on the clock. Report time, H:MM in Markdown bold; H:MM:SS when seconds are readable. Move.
**4:36**
